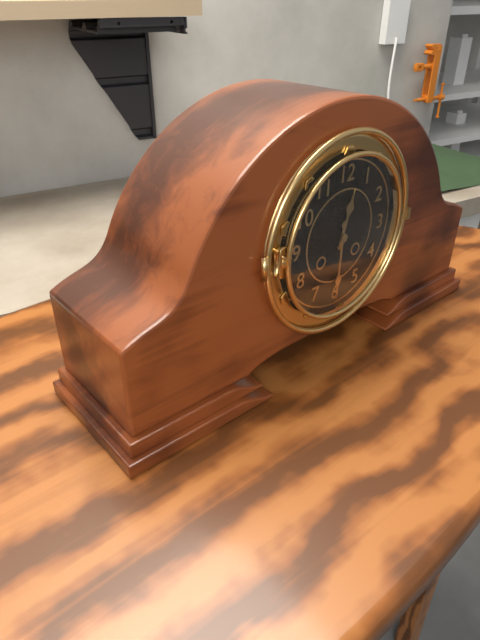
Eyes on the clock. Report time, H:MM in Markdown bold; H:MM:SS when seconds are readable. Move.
**12:30**
